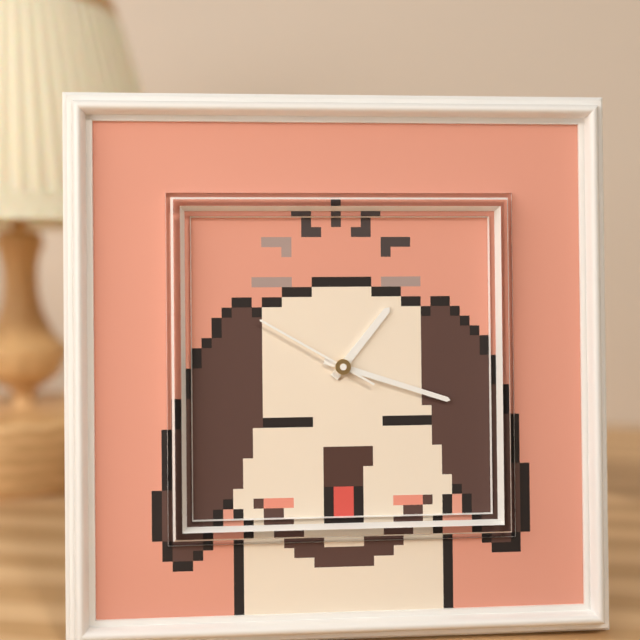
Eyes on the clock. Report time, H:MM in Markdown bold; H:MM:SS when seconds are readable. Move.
**1:18:50**
